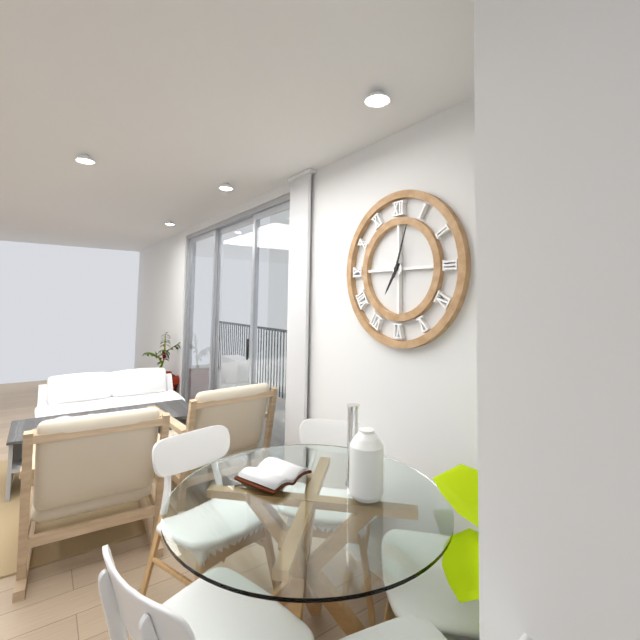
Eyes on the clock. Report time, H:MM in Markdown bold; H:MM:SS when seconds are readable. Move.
**7:03**
